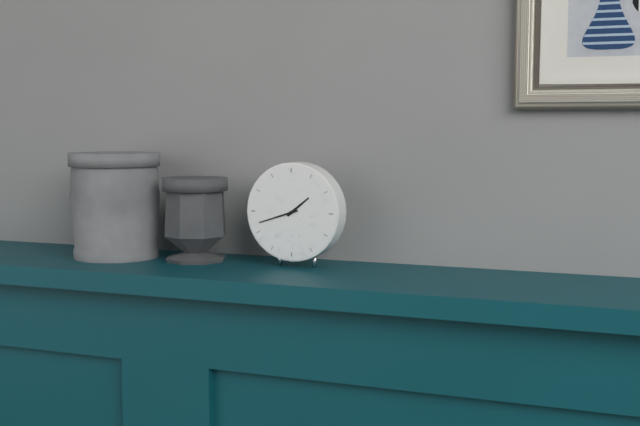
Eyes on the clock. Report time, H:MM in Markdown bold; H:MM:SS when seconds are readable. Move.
**1:42**
